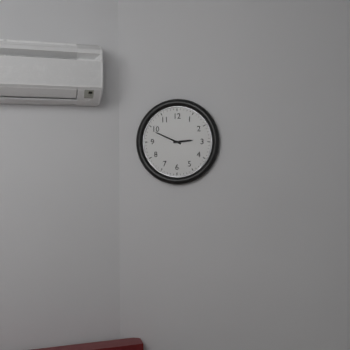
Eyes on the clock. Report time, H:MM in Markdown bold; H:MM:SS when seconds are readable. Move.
**2:49**
